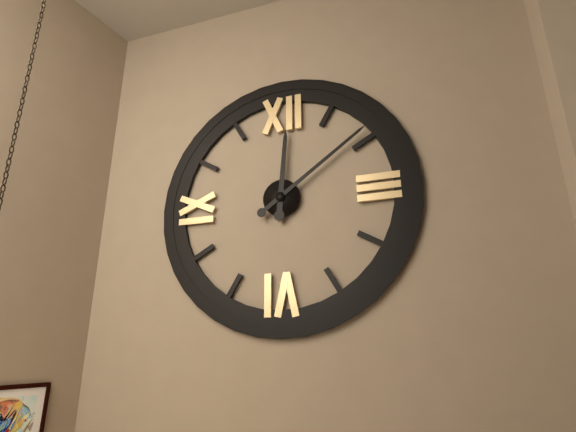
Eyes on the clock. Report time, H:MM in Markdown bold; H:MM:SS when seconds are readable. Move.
**12:09**
